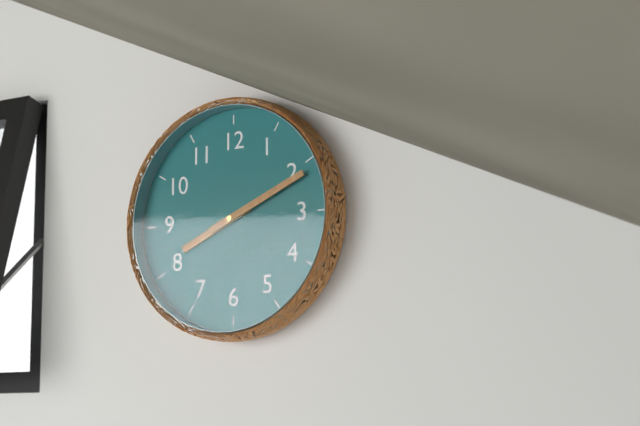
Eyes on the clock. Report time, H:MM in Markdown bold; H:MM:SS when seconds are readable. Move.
**8:11**
